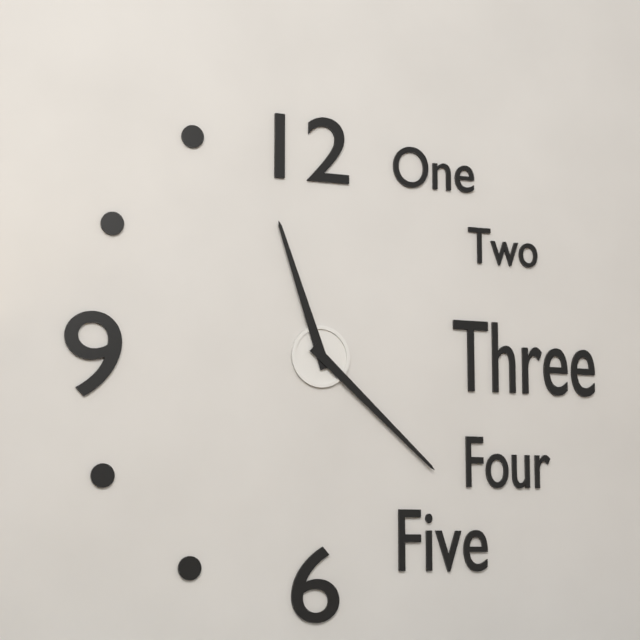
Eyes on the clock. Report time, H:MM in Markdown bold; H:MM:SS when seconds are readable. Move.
**11:22**
